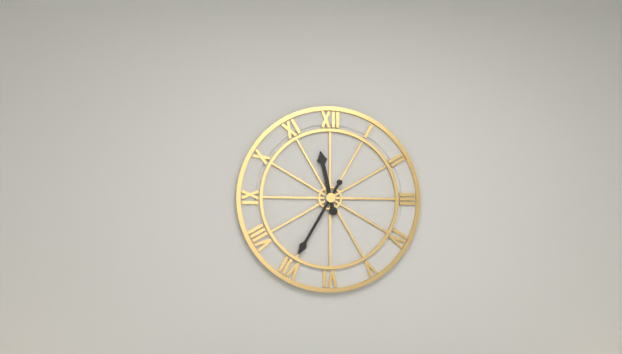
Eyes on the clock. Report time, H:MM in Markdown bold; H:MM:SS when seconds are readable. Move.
**11:35**
